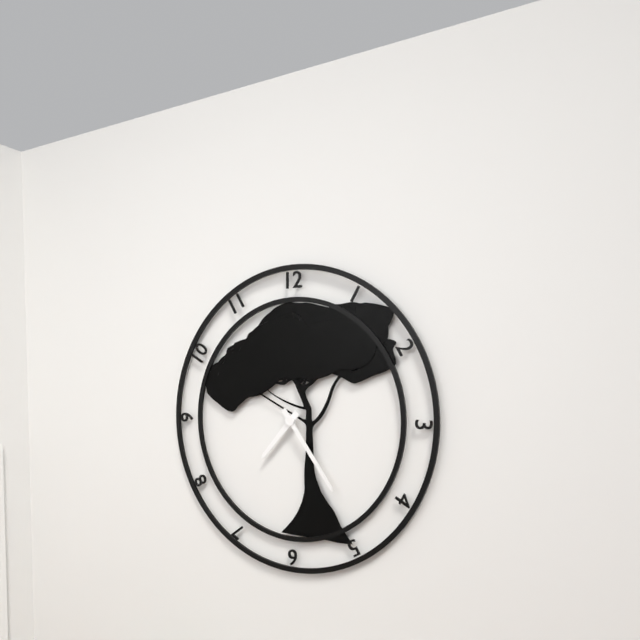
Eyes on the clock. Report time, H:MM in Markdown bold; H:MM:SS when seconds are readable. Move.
**7:24**
